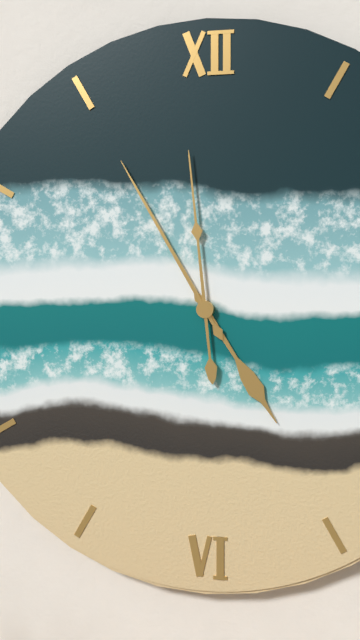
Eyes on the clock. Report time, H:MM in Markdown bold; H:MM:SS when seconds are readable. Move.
**4:55:59**
